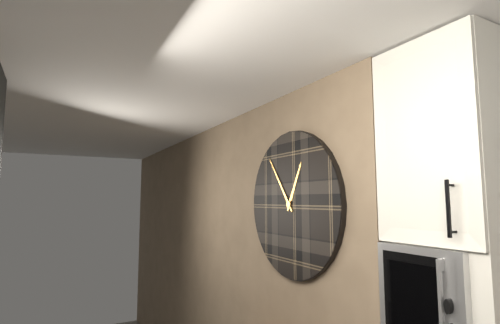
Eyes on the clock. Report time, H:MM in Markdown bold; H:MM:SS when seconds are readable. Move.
**12:54**
